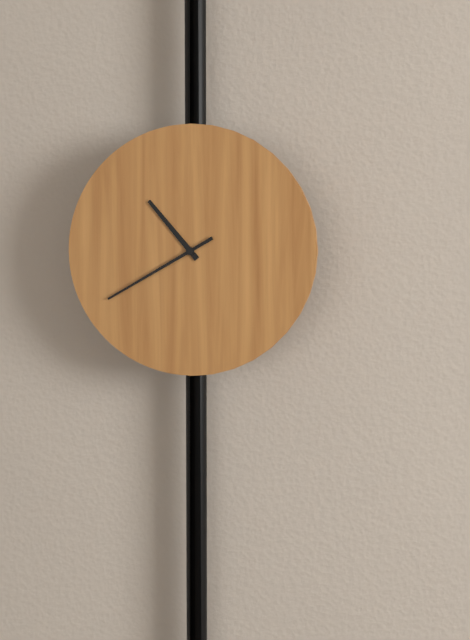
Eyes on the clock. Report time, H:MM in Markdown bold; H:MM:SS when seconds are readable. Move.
**10:40**
